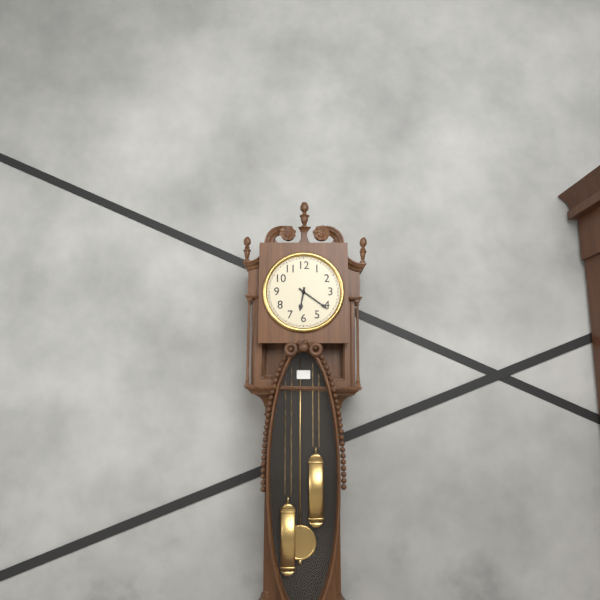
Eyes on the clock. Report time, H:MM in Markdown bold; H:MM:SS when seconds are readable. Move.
**6:21**
